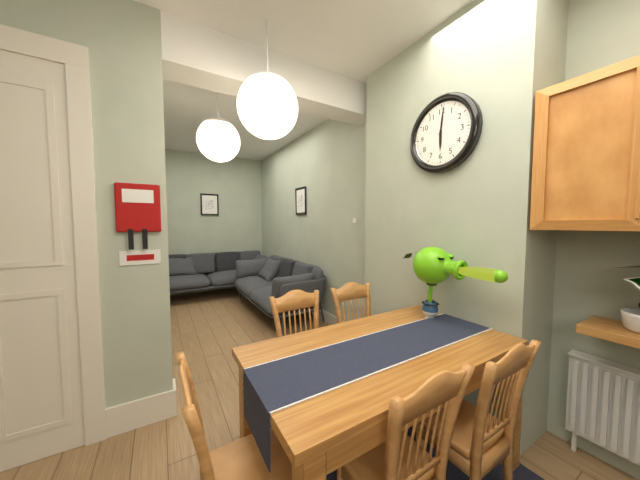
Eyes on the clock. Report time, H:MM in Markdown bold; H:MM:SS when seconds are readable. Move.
**6:01**
